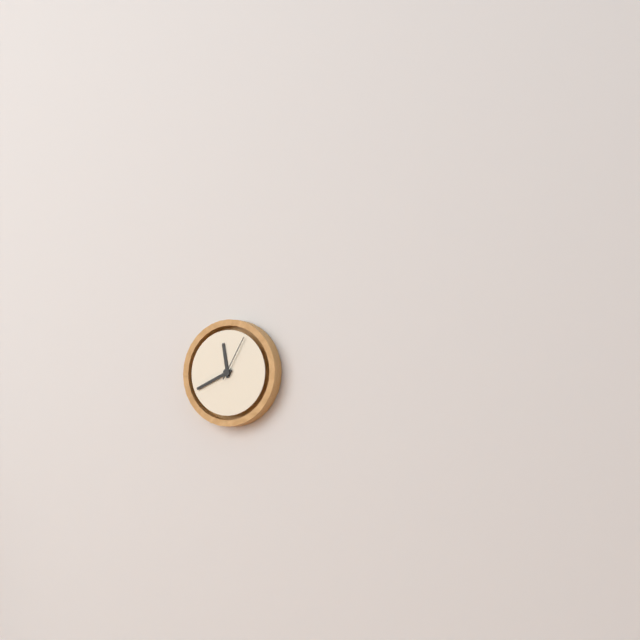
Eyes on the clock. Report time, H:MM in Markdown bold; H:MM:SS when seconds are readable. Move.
**11:41**
